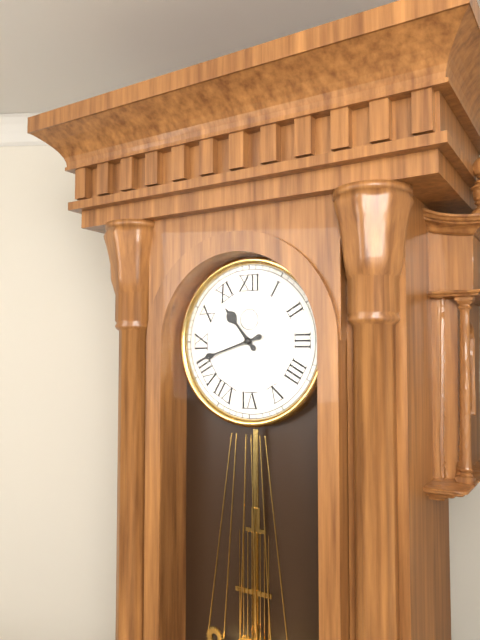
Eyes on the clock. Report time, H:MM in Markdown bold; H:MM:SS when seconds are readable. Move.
**10:42**
